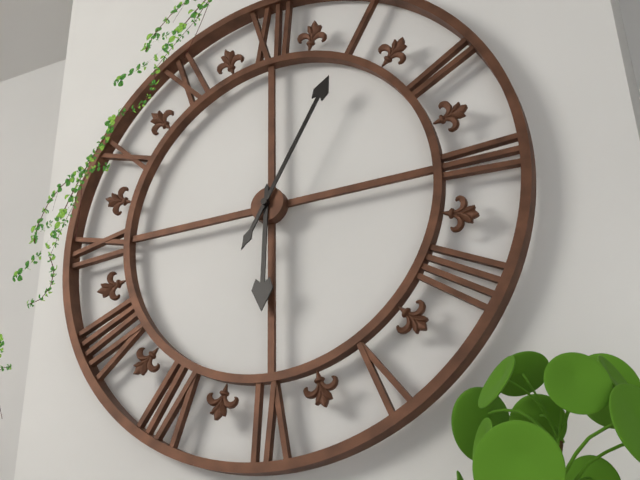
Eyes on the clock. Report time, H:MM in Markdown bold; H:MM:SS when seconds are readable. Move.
**6:05**
